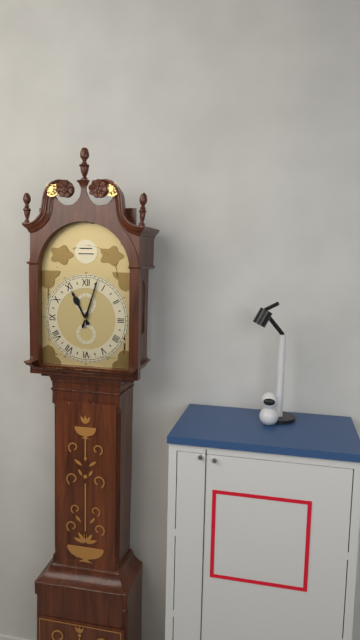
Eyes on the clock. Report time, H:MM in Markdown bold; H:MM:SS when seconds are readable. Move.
**11:03**
